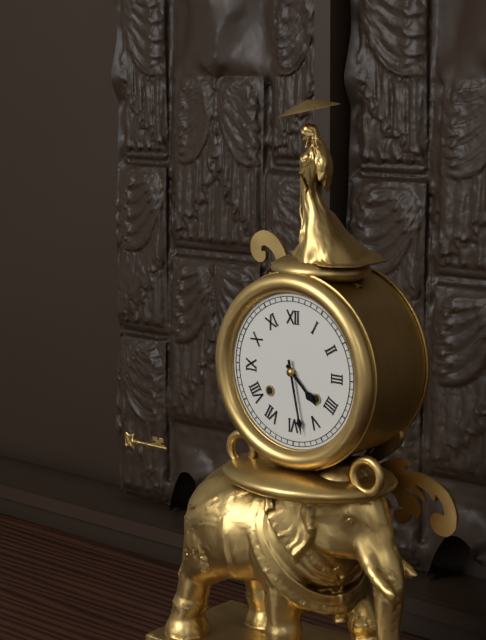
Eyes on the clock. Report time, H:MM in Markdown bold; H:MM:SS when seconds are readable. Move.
**4:28**
